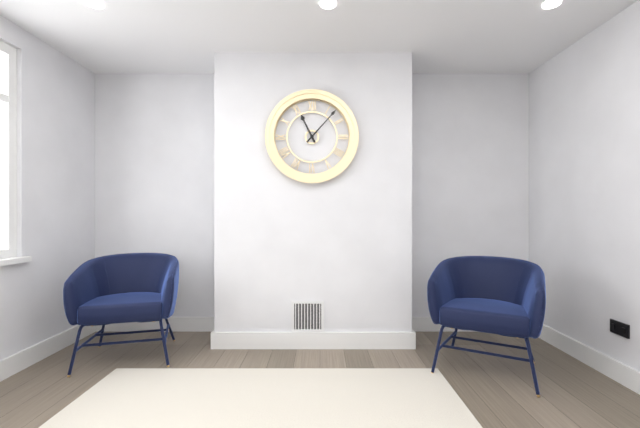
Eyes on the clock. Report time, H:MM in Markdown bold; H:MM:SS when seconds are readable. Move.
**11:07**
